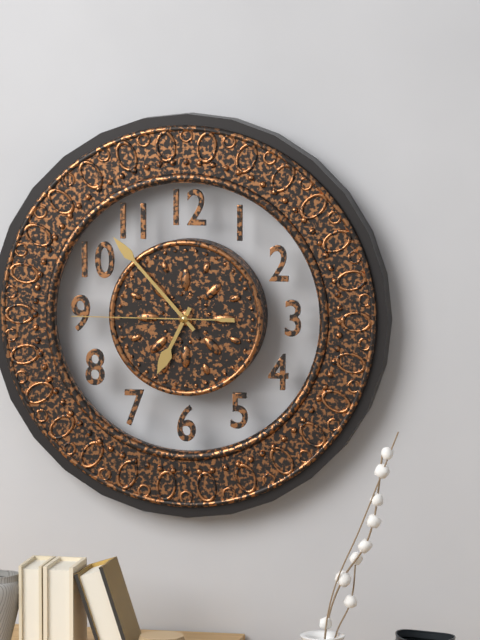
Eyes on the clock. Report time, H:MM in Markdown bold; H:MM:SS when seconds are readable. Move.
**6:53:45**
